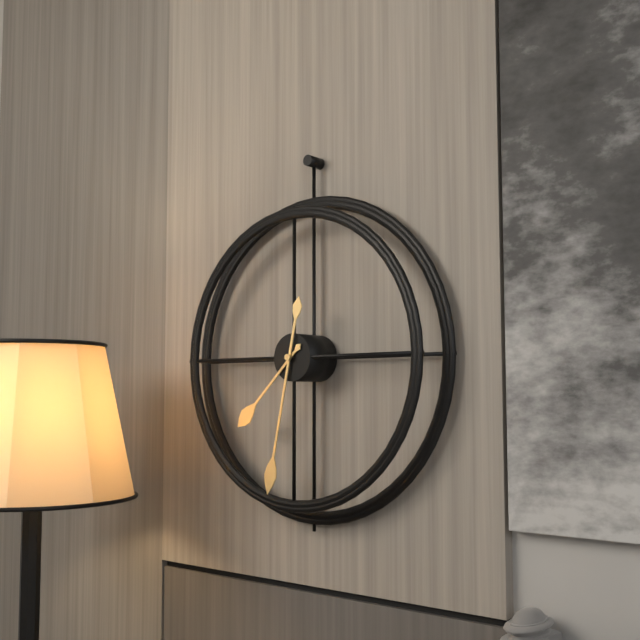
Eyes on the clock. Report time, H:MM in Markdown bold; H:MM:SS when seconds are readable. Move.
**7:32**
